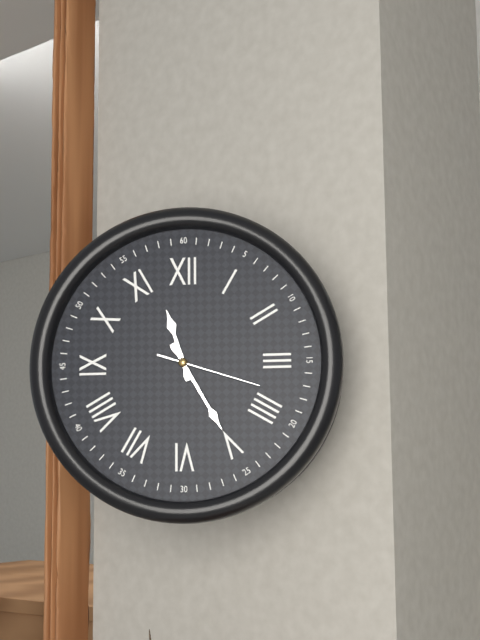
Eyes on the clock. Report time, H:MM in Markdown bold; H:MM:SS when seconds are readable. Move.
**11:25:18**
